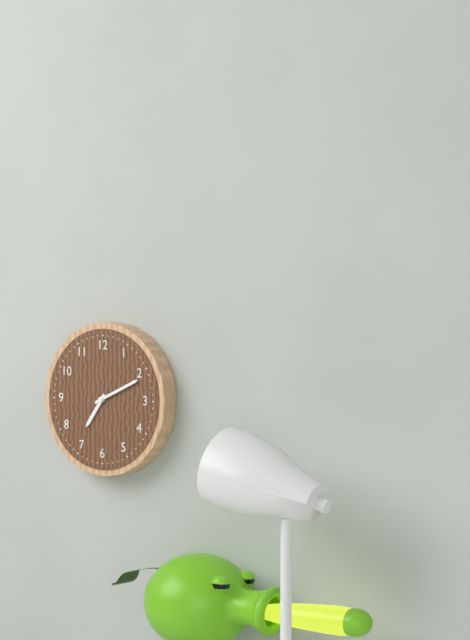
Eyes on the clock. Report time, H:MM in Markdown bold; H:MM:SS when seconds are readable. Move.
**7:11**
